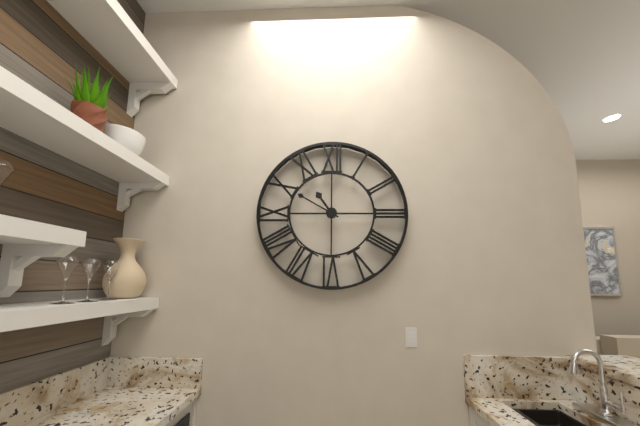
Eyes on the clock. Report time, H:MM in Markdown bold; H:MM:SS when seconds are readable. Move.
**10:50**
